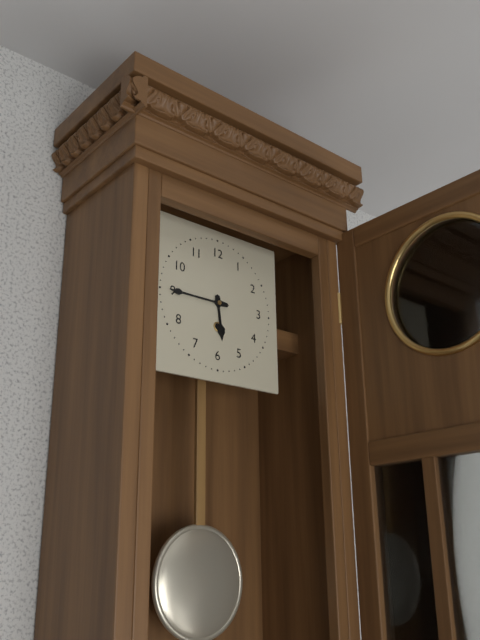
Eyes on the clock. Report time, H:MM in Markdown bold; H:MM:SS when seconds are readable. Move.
**5:45**
